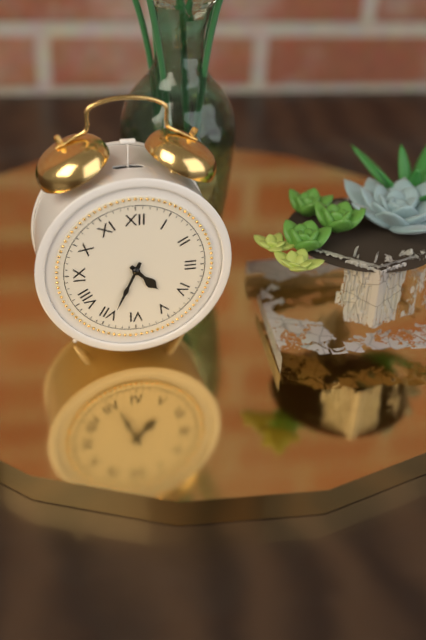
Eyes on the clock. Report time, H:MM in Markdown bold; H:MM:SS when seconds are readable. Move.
**4:34**
